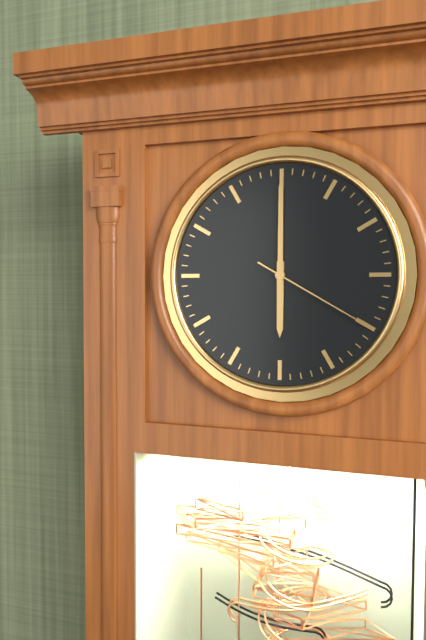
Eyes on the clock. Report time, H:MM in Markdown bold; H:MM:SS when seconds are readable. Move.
**6:00:20**
